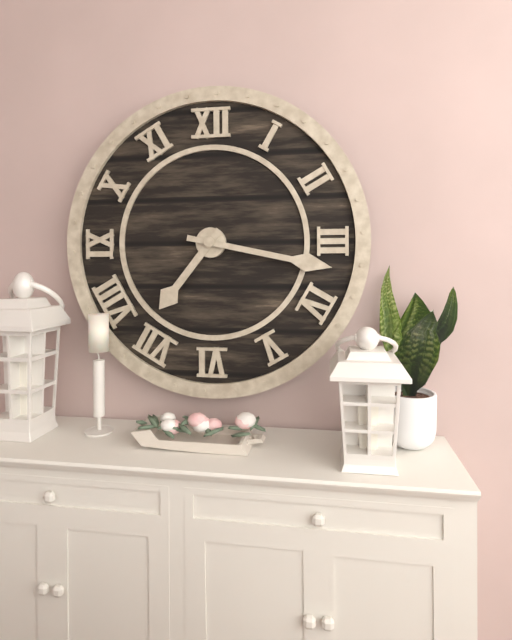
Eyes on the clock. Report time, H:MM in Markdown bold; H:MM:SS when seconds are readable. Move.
**7:17**
